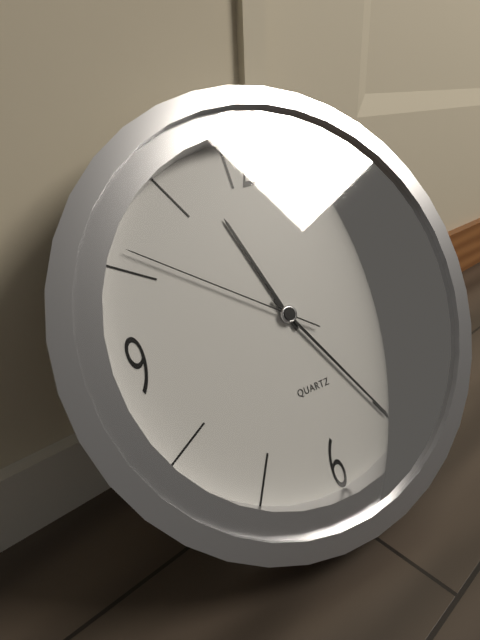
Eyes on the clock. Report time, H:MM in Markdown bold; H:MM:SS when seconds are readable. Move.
**11:25:51**
